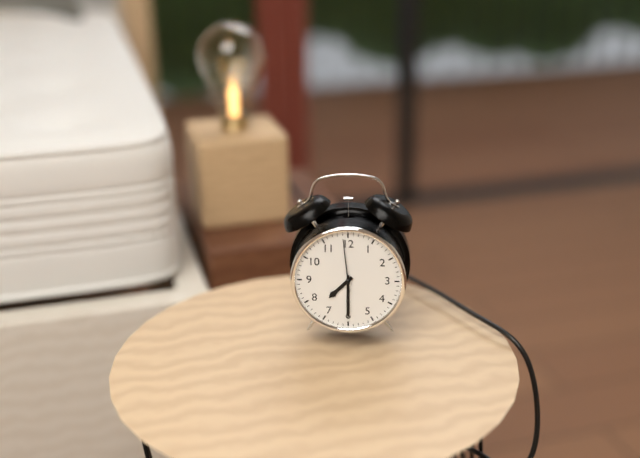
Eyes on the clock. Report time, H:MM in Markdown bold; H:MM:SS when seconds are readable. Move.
**7:30:59**
